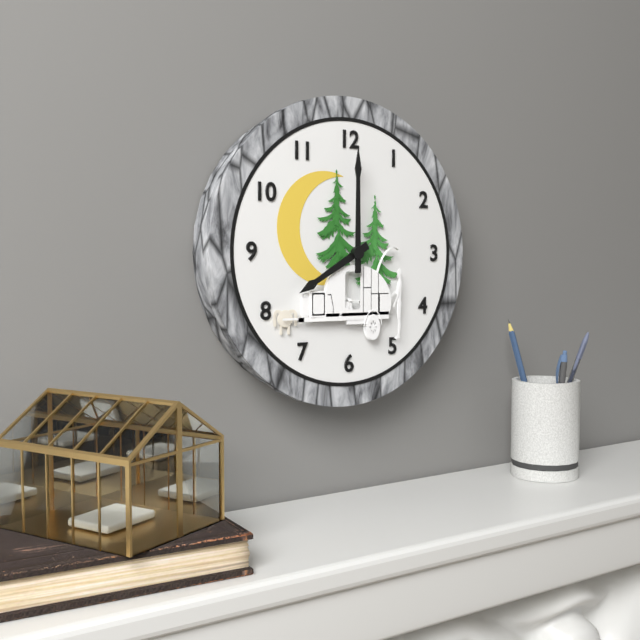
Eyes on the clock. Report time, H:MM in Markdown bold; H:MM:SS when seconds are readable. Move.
**8:00**
